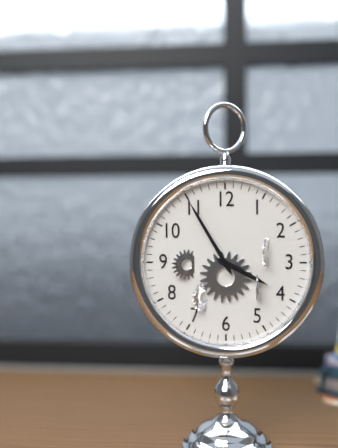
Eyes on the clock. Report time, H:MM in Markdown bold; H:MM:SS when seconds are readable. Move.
**3:55**
